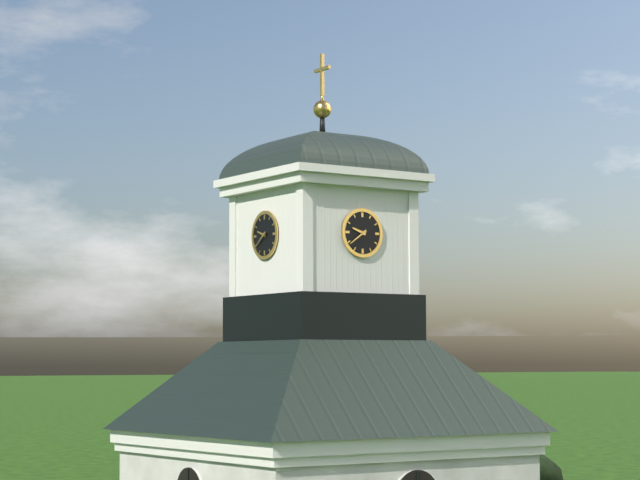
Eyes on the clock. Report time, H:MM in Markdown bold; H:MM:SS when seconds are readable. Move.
**9:39**
